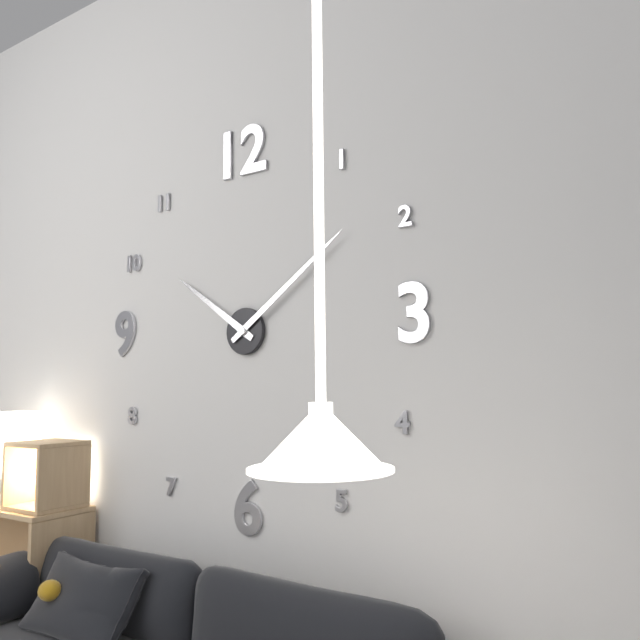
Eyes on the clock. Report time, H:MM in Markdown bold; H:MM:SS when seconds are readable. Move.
**10:09**
